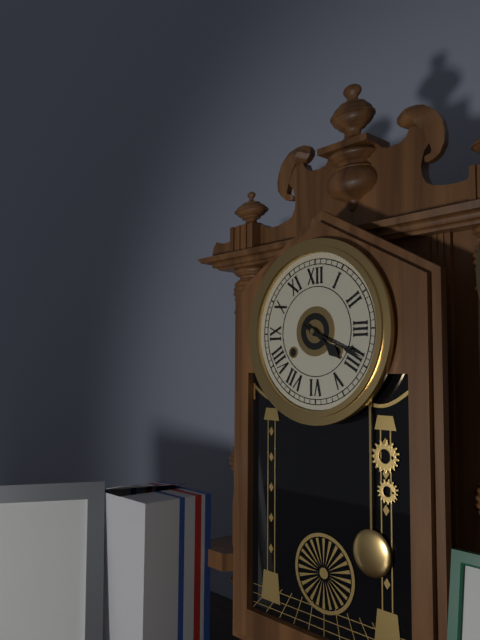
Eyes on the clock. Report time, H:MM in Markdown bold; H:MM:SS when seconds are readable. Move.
**4:19**
